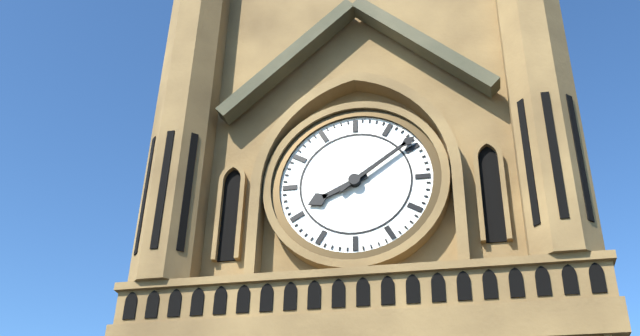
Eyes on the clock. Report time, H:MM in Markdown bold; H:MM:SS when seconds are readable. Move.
**8:09**
